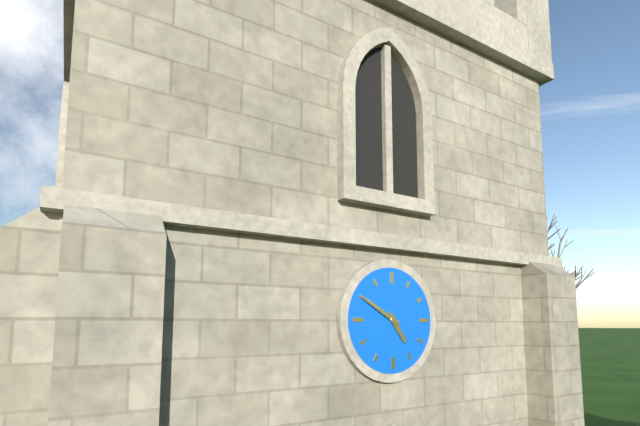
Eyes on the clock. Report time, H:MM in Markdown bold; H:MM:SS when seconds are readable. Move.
**4:50**
